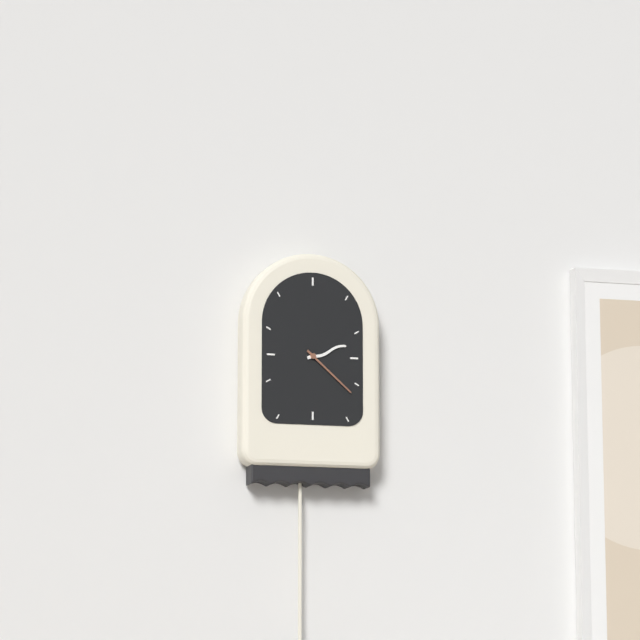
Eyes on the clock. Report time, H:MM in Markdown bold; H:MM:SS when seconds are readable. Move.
**2:22**
